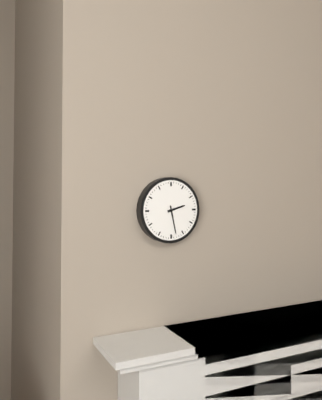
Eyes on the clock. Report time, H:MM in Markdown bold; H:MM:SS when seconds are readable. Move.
**2:28**
